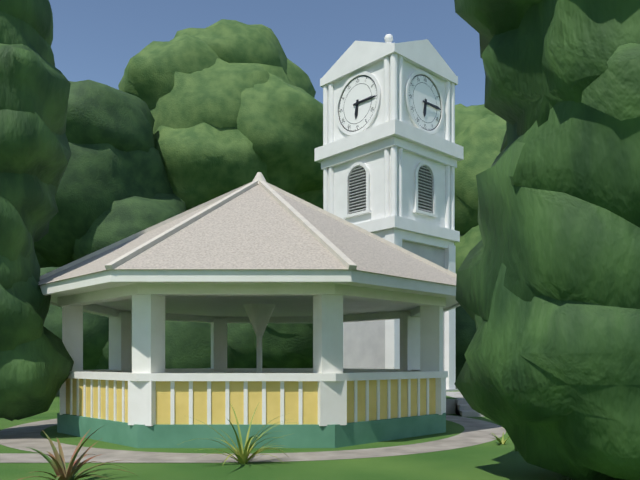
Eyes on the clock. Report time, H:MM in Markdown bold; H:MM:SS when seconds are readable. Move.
**6:15**
